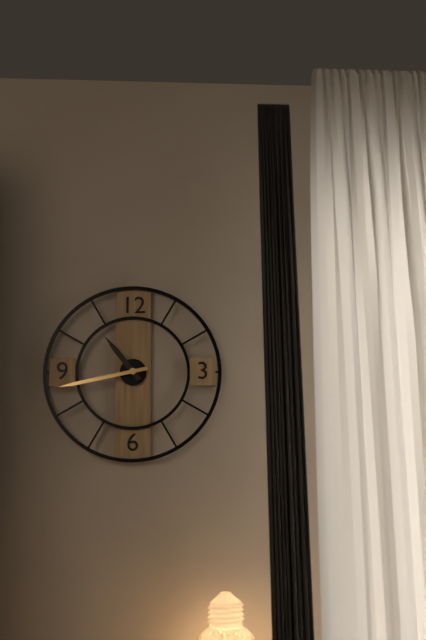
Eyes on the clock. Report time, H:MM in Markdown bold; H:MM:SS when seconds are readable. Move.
**10:43**
